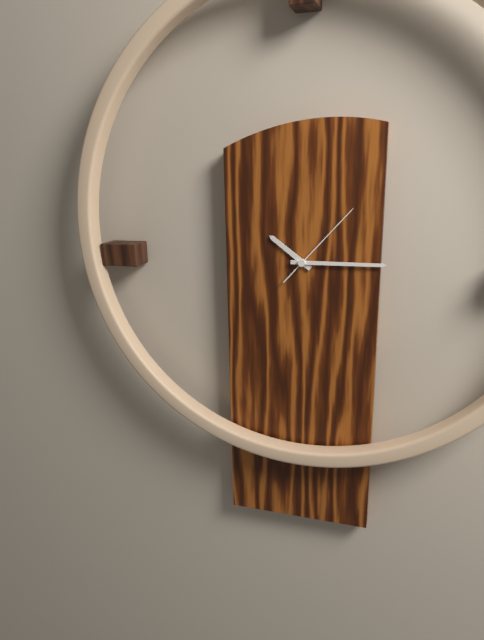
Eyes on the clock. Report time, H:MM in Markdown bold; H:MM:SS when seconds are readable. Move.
**10:15:07**
